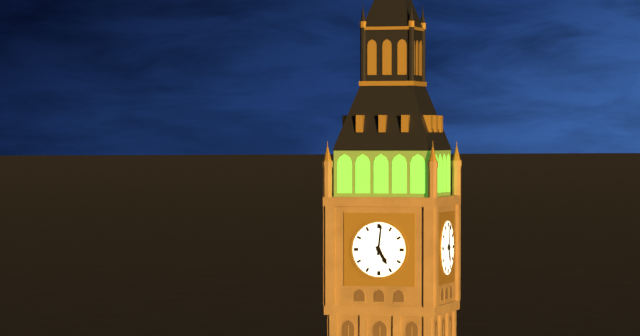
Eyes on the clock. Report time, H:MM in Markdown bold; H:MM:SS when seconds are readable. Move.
**5:01**
